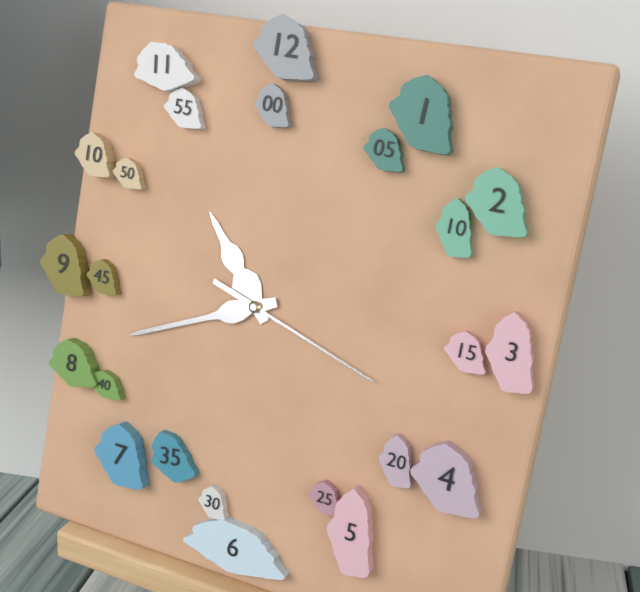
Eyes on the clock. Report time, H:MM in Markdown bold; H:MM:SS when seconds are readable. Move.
**10:41:18**
